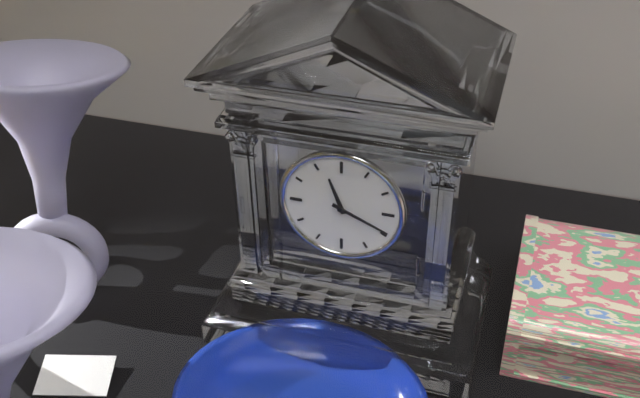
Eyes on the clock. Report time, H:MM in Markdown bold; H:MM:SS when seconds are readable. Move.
**11:19**
